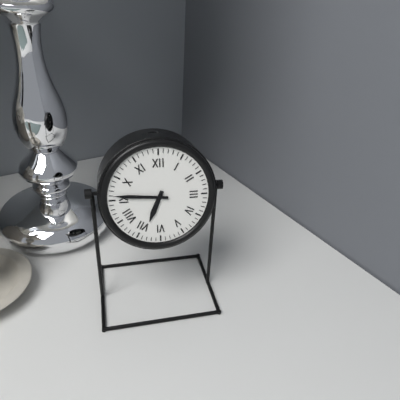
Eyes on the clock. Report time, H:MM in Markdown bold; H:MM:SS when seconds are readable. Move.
**6:46**
